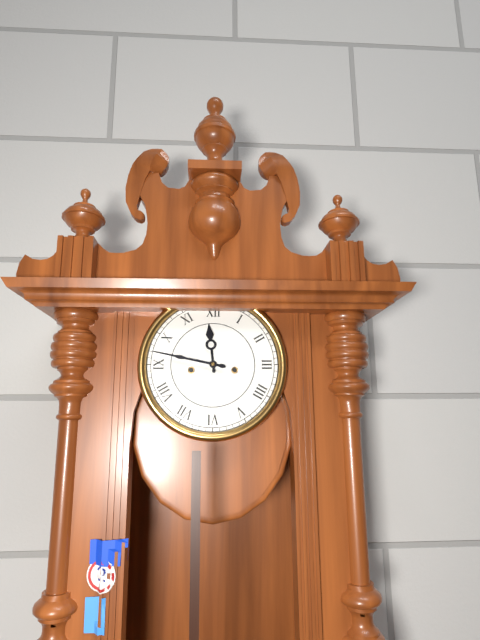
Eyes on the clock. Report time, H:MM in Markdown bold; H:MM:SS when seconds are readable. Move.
**11:47**
